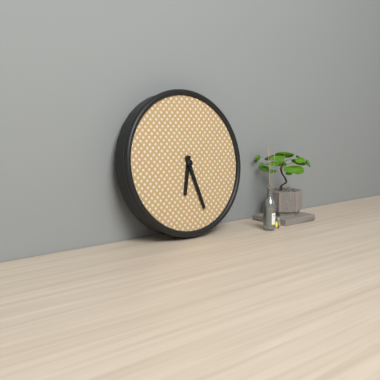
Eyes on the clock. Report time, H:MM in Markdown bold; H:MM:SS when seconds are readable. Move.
**6:27**
